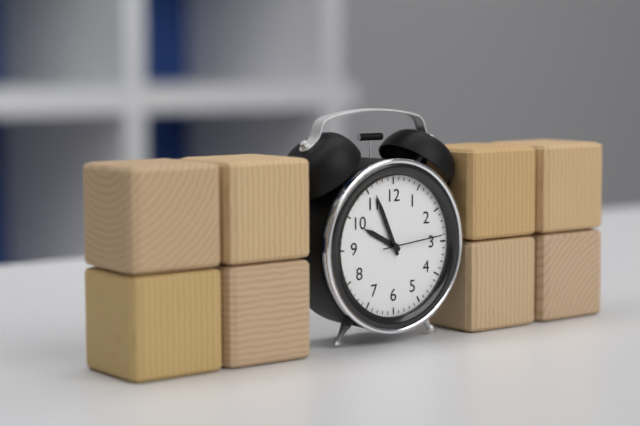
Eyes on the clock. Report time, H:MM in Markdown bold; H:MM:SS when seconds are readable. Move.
**9:56:14**
